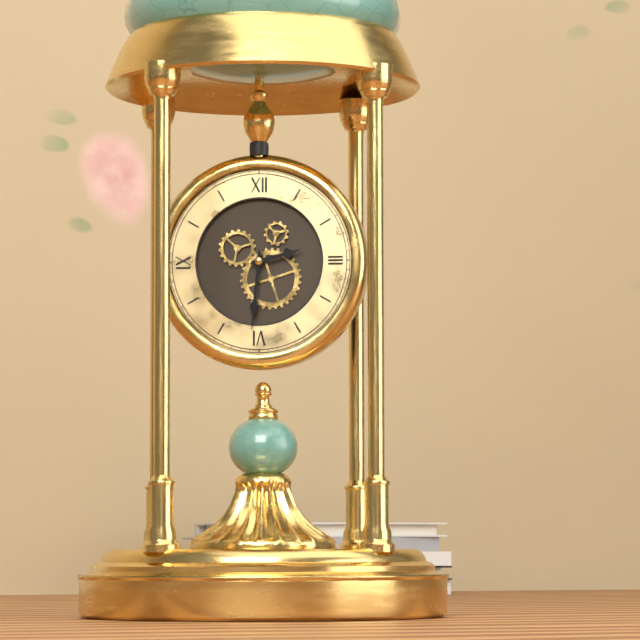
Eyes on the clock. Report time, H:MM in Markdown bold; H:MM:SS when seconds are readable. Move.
**2:31**
